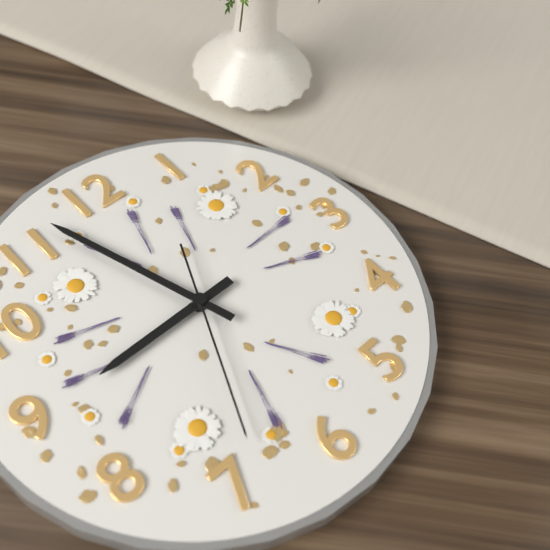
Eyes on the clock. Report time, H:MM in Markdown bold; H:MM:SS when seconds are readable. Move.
**8:57:34**
